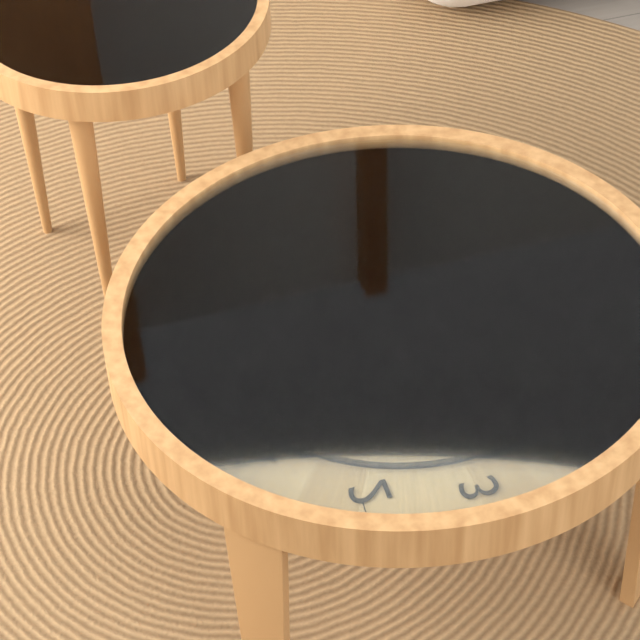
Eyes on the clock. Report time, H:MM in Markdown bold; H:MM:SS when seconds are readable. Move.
**7:55**
